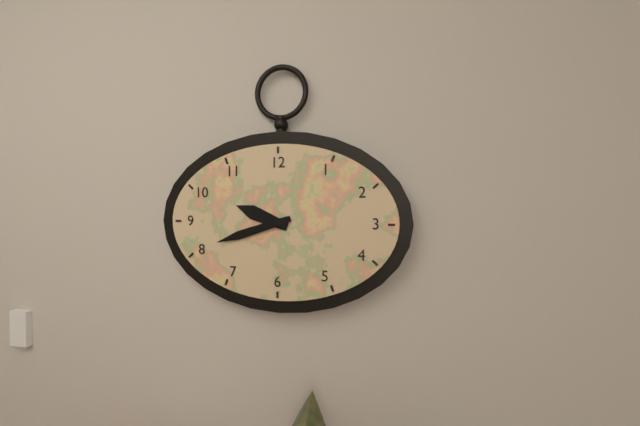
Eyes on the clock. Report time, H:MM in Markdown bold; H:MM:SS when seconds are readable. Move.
**9:42**
